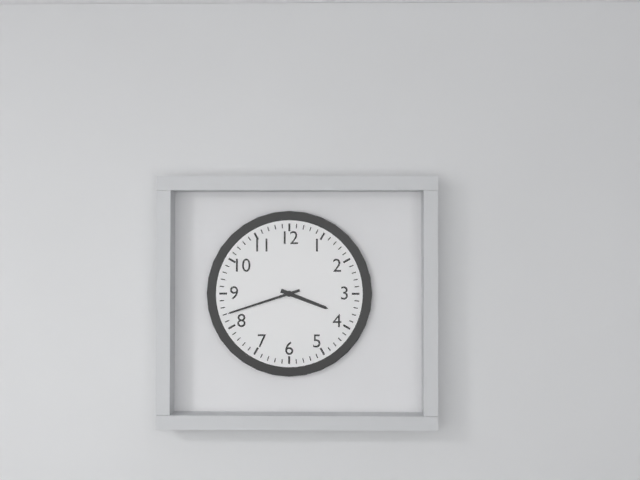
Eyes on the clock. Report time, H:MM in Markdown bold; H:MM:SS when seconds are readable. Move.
**3:42**
